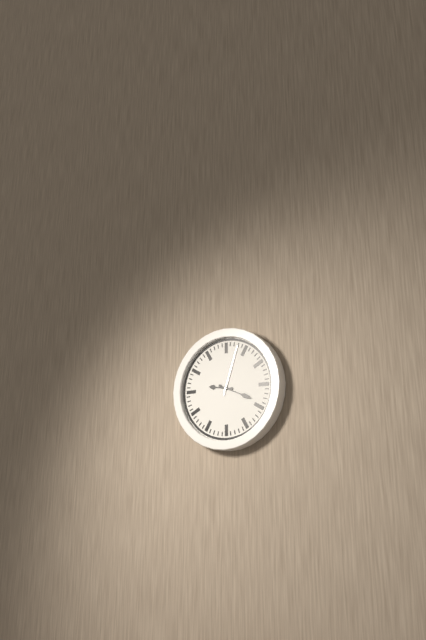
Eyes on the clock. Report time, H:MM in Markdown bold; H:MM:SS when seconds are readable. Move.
**9:19:03**
